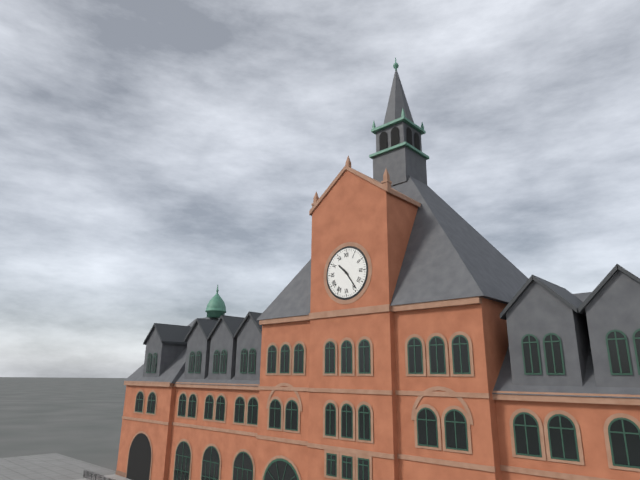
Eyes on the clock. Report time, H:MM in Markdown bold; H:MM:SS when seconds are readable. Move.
**10:24**
